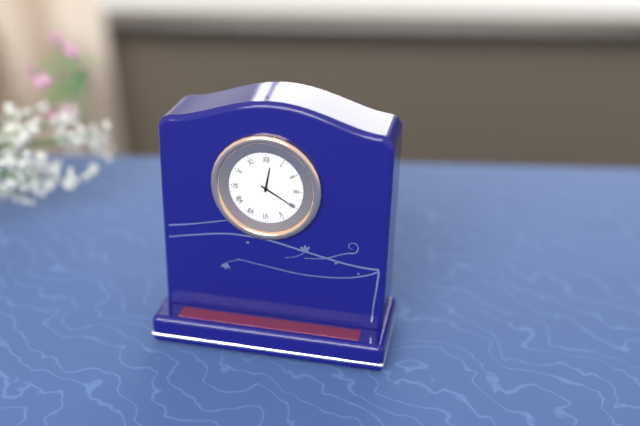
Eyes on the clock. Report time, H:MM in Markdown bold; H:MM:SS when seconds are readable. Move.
**12:20**
